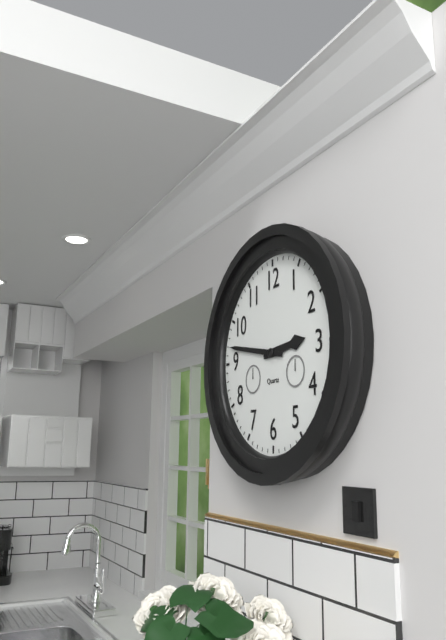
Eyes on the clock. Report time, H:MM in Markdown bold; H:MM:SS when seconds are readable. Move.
**2:47**
